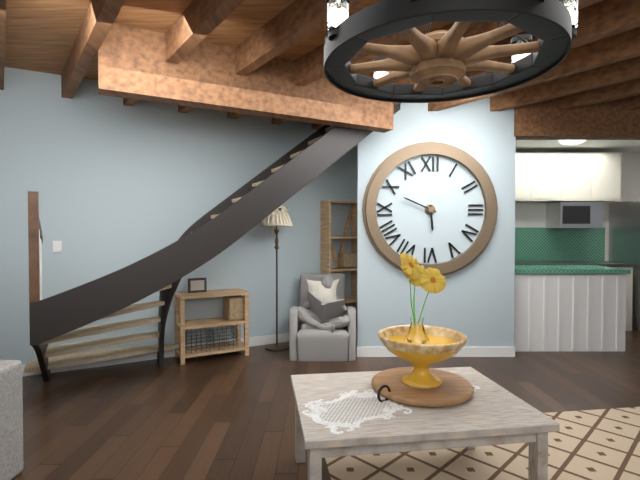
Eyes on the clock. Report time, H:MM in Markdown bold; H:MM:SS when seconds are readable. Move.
**5:49**
